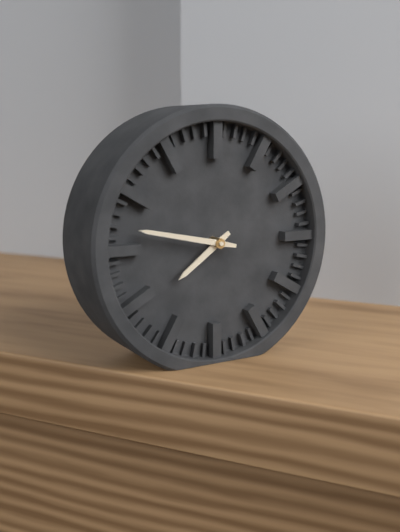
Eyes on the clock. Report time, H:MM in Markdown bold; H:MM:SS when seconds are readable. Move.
**7:47**
